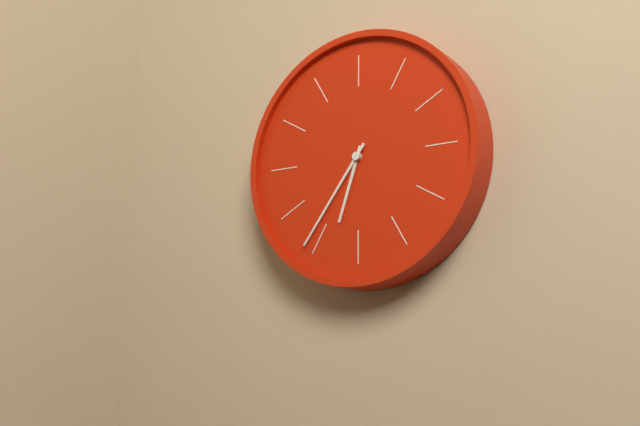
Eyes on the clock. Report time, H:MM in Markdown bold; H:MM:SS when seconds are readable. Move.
**6:36**
